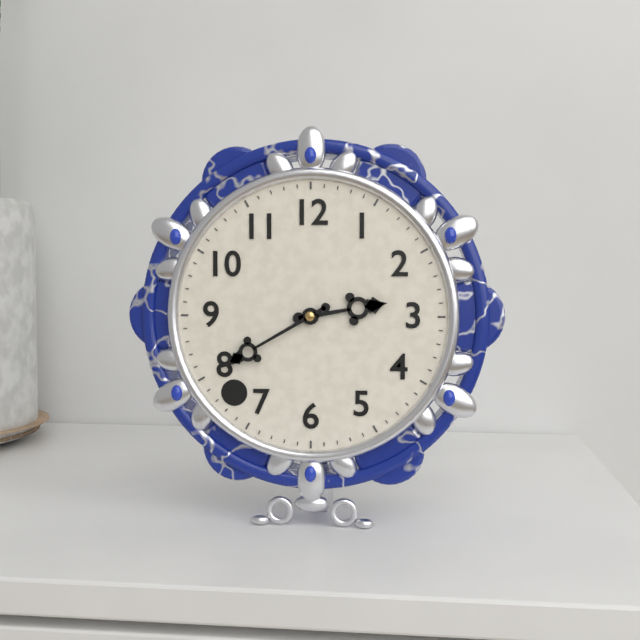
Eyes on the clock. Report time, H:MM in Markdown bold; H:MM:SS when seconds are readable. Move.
**2:40**
